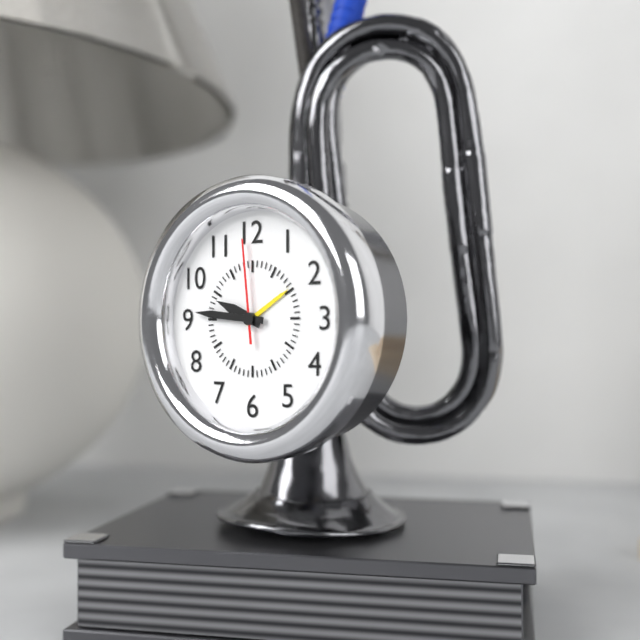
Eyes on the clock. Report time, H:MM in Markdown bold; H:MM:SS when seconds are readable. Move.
**9:46:59**
